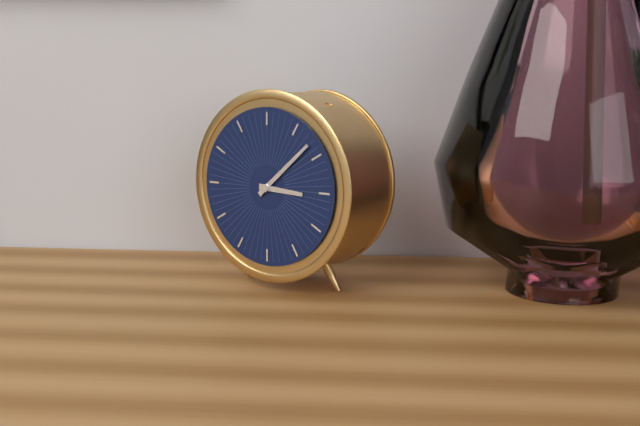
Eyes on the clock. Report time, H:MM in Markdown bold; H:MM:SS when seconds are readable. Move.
**3:08**
